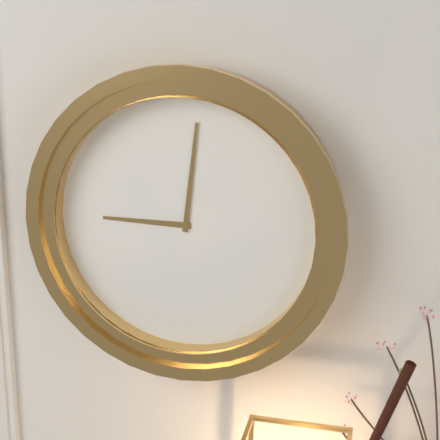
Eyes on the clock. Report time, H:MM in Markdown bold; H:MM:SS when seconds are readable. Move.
**9:01**
